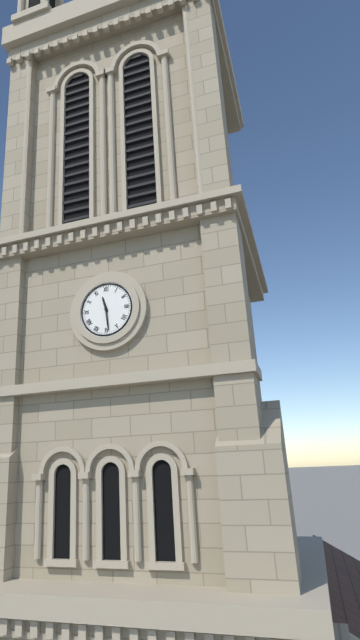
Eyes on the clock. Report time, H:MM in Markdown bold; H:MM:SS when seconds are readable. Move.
**11:29**
